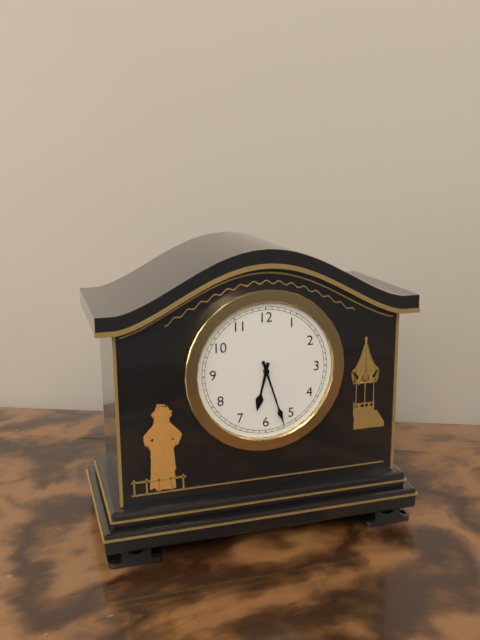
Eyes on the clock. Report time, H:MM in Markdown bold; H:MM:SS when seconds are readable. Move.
**6:27**
